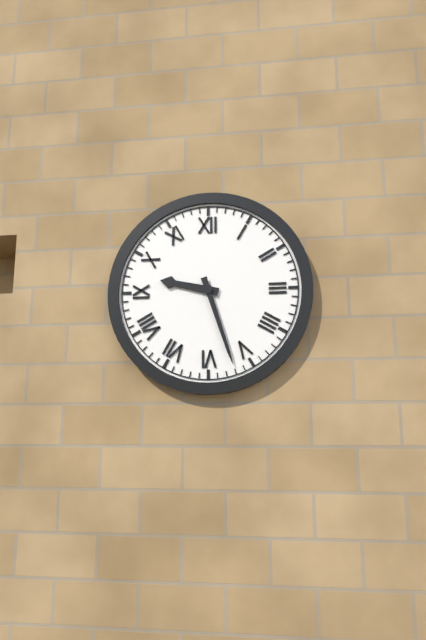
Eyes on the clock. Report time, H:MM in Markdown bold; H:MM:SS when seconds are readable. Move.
**9:27**
